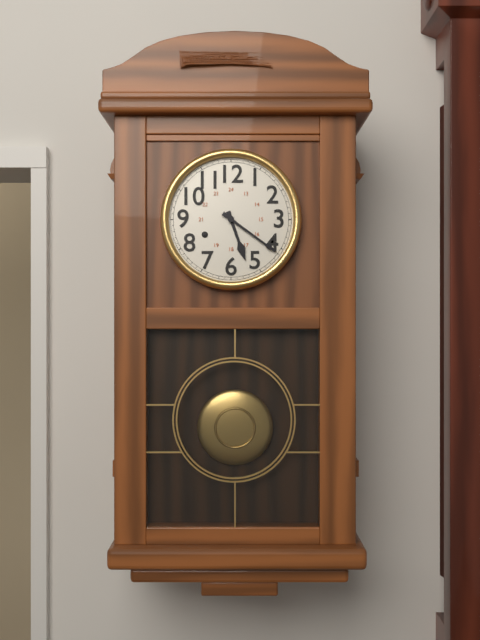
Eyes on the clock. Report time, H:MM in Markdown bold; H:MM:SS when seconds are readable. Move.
**5:21**
